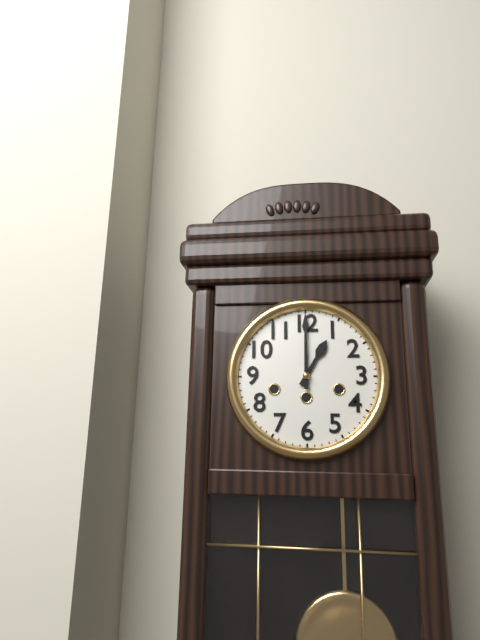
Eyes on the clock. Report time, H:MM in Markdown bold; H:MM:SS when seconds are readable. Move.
**1:00**
